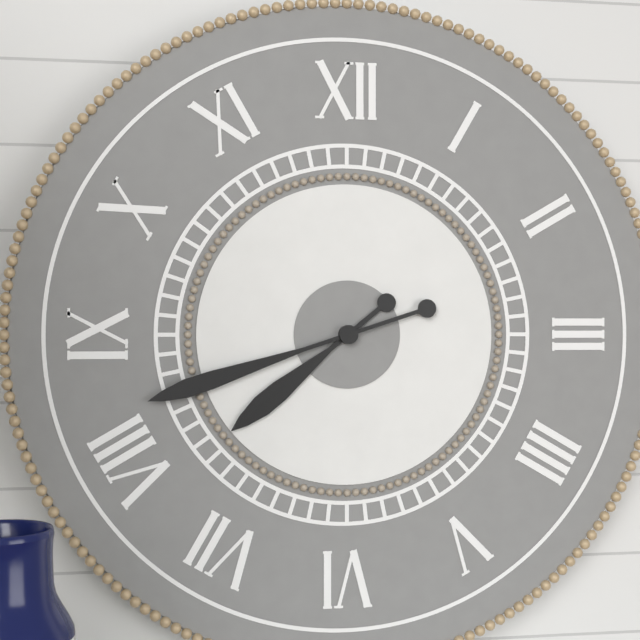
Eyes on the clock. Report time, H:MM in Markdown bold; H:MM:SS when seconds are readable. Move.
**7:42**
